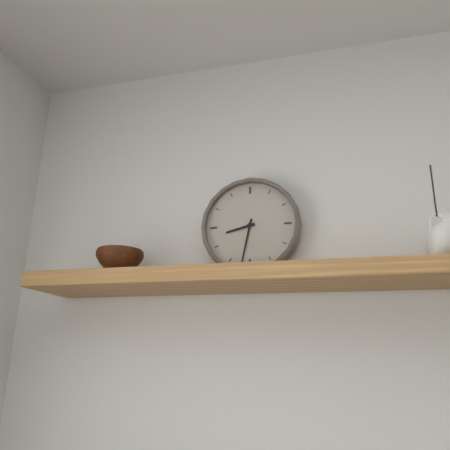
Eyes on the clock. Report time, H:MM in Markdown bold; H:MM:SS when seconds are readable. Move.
**8:32**
